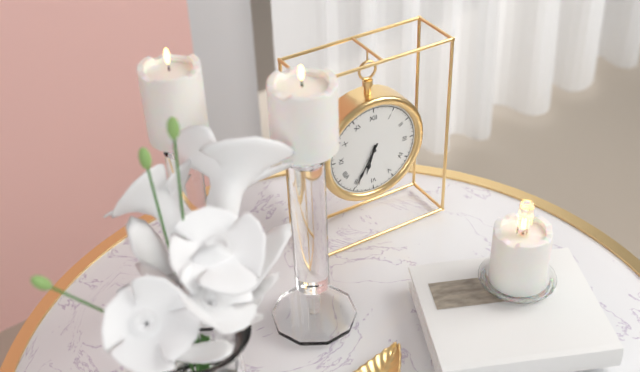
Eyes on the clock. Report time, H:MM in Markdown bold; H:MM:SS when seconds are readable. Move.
**6:35**
